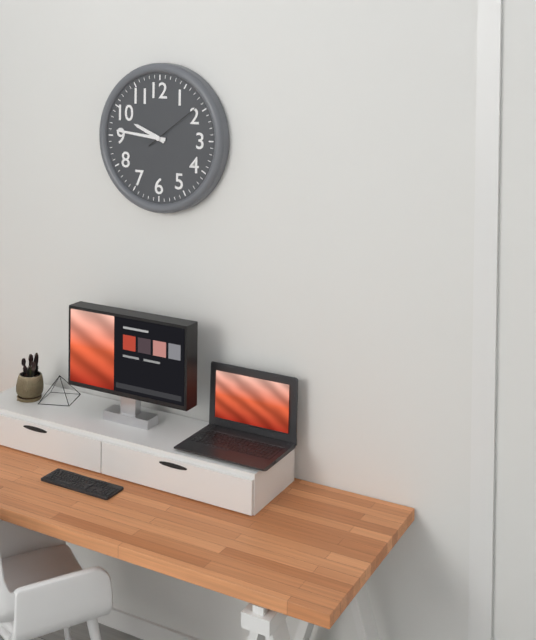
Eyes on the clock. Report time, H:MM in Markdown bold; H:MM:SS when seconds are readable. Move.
**9:46:09**
